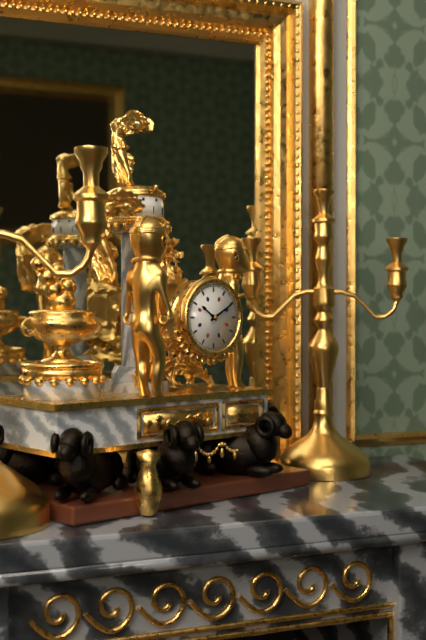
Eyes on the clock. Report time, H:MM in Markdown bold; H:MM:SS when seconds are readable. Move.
**10:10**
